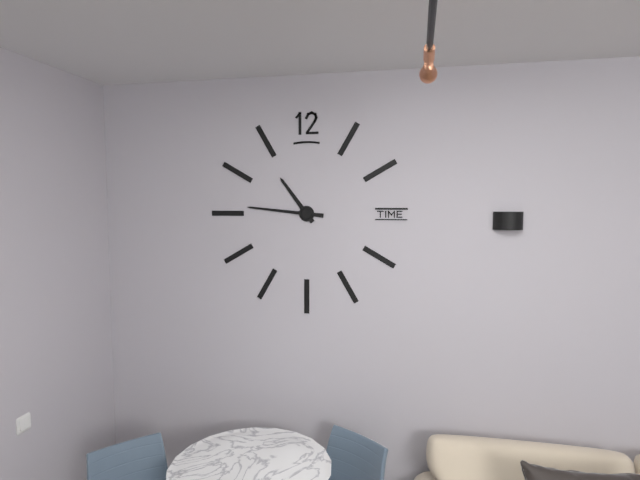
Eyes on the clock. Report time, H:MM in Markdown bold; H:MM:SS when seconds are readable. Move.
**10:46**
